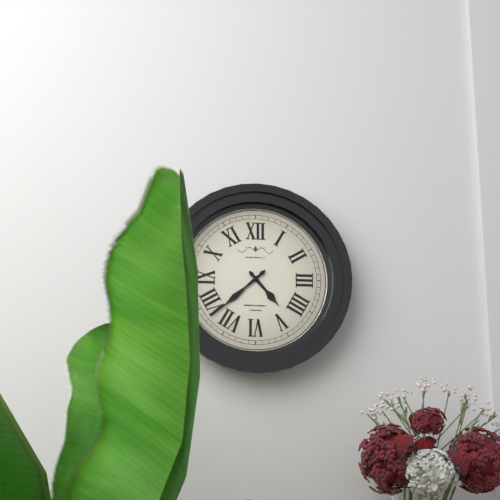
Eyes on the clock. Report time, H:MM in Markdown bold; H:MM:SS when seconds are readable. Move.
**4:38**
